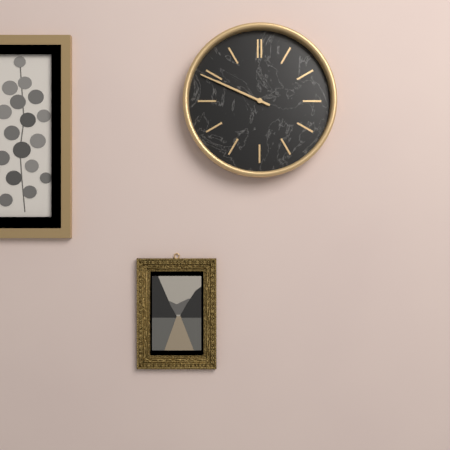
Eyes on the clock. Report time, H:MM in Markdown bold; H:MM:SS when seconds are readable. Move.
**9:49**
